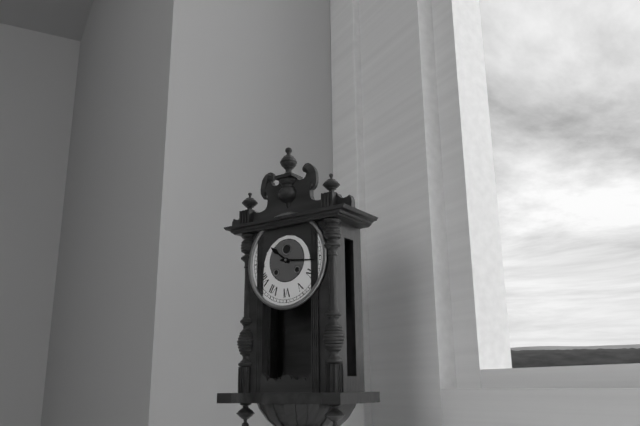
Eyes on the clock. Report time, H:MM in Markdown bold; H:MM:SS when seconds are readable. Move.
**10:16**
